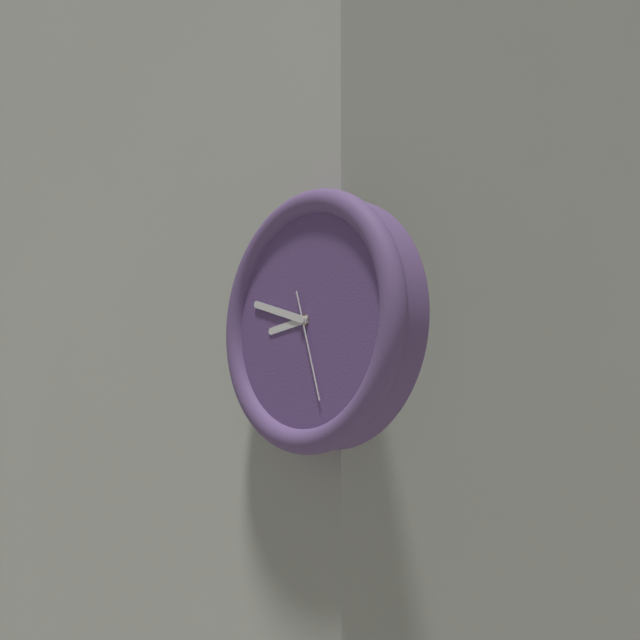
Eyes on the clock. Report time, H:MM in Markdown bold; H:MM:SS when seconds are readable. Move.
**8:48:27**
